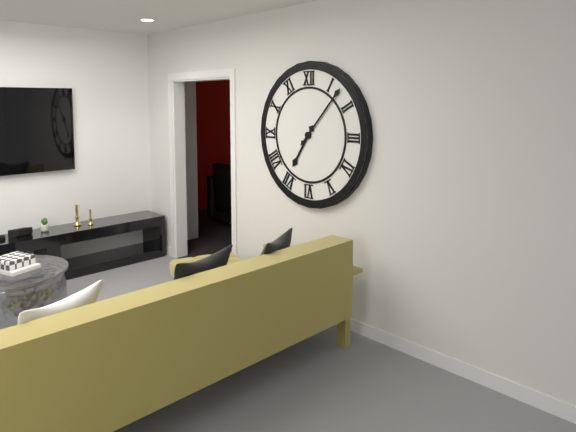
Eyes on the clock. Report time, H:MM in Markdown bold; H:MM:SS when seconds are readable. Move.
**7:07**
